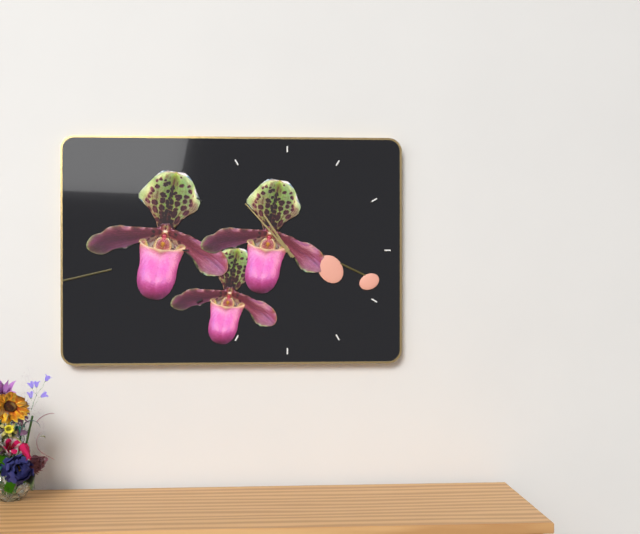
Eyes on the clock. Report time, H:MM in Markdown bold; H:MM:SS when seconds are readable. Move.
**10:53**
